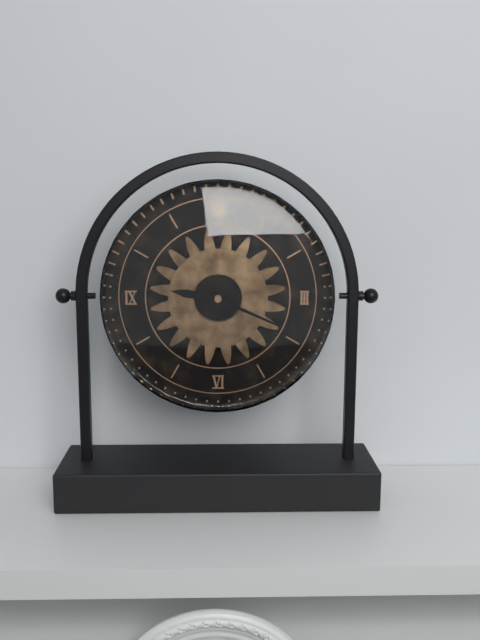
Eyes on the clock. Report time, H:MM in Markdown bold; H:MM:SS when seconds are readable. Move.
**9:19**
